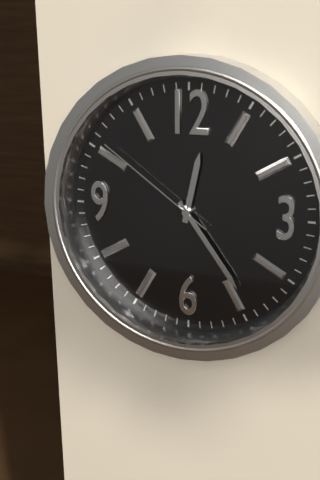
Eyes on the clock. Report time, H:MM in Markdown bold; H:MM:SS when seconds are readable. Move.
**12:24:51**
